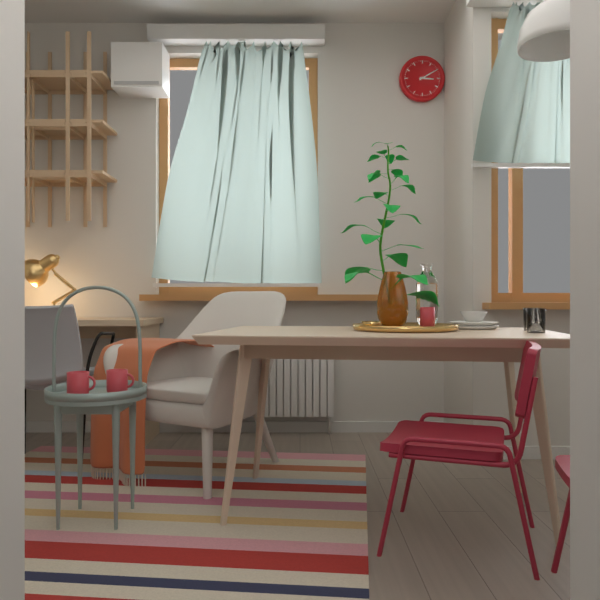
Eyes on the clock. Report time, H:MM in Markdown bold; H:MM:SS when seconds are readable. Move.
**3:10**
